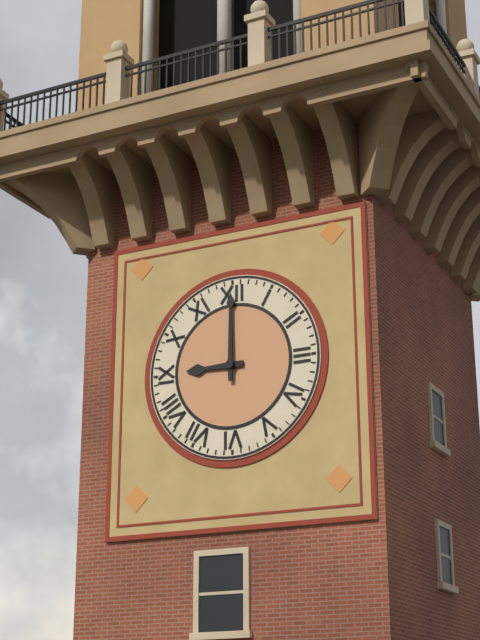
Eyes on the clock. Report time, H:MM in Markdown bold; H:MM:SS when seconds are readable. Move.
**9:00**
